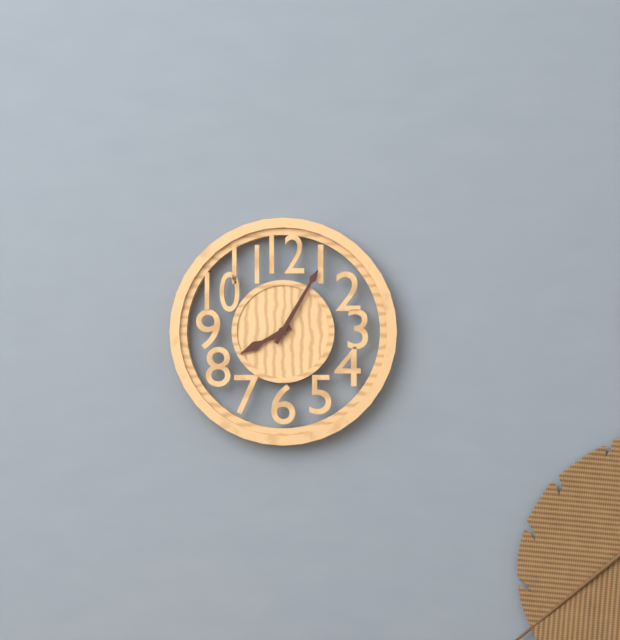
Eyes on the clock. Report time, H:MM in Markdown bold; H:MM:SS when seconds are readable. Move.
**8:05**
